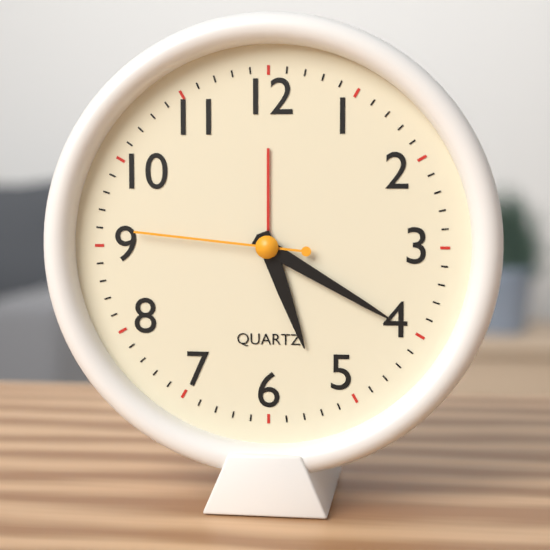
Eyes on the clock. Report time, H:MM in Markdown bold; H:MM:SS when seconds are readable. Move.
**5:20:46**
